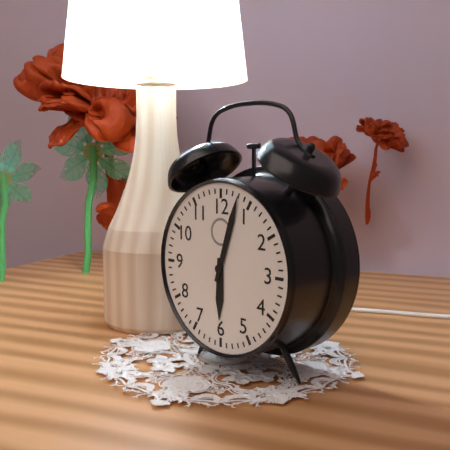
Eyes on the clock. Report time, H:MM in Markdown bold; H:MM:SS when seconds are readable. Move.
**6:03**
